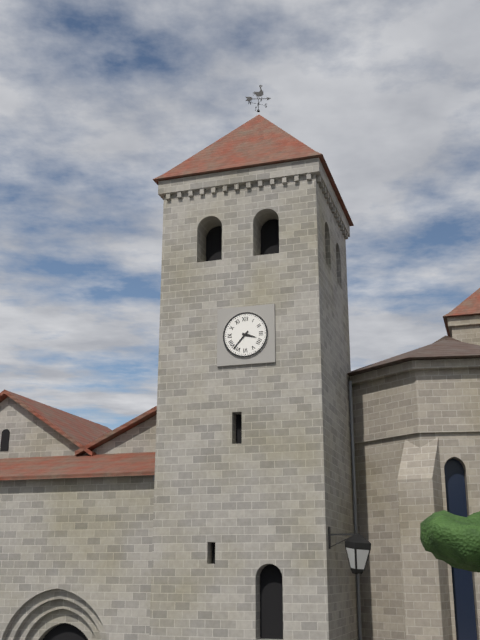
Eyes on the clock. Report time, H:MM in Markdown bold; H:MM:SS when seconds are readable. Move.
**3:37**
